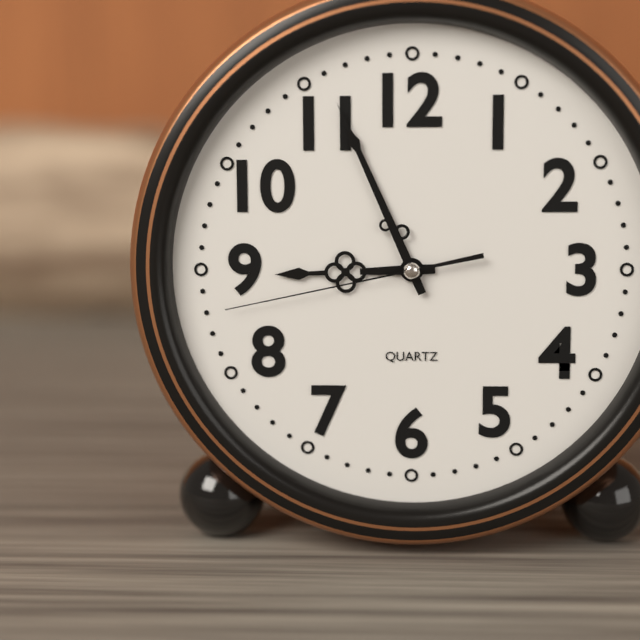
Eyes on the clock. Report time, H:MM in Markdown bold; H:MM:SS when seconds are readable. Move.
**8:56:43**
